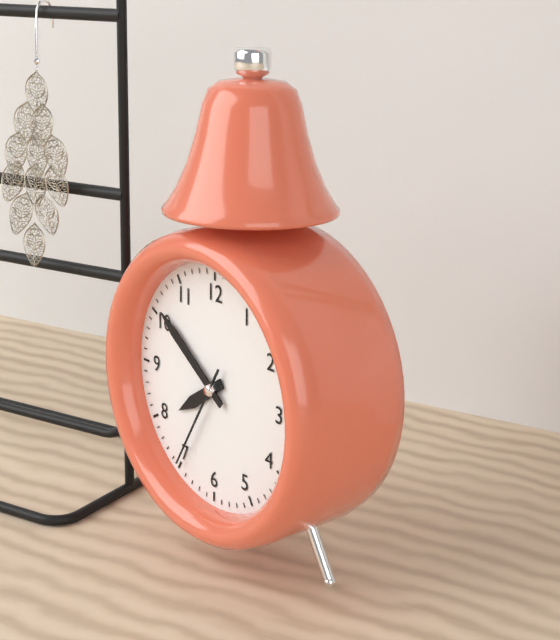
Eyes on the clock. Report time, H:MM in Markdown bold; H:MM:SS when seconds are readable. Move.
**7:51:35**
